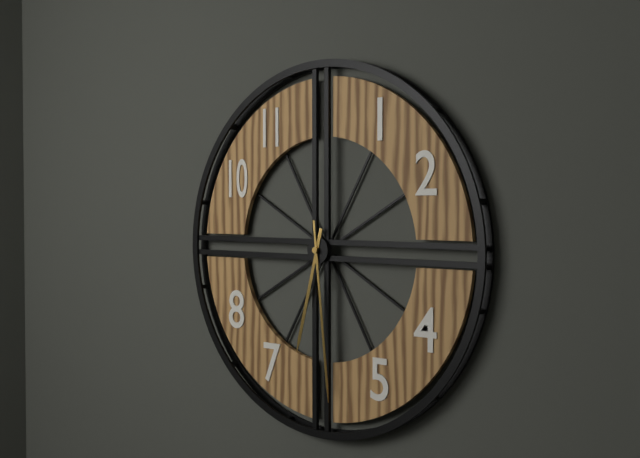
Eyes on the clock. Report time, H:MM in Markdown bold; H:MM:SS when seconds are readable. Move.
**6:29**
